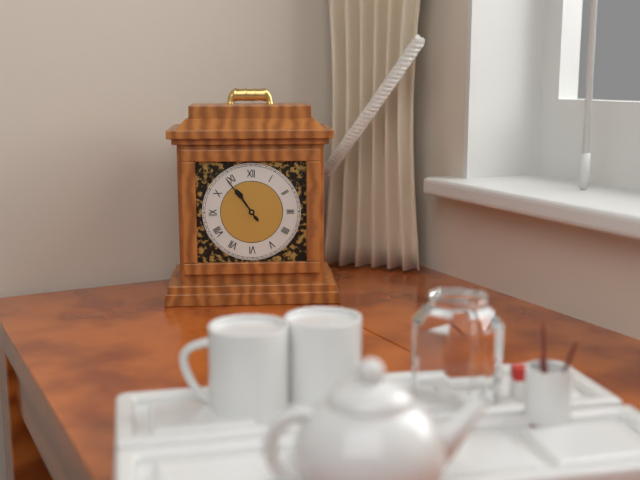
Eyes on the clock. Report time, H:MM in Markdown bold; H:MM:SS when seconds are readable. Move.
**10:54**
